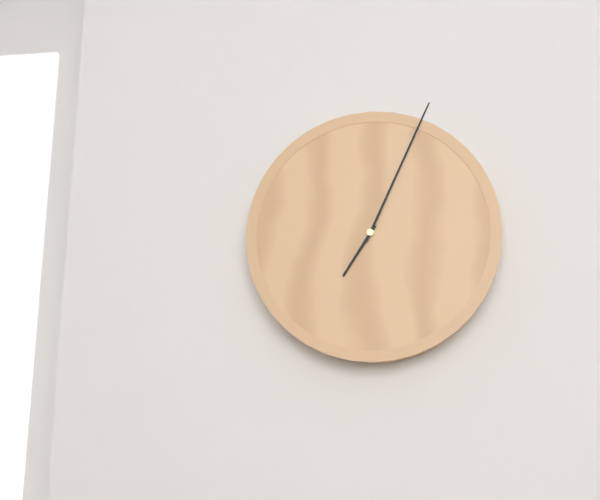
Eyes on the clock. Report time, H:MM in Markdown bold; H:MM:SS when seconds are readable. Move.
**7:04**
